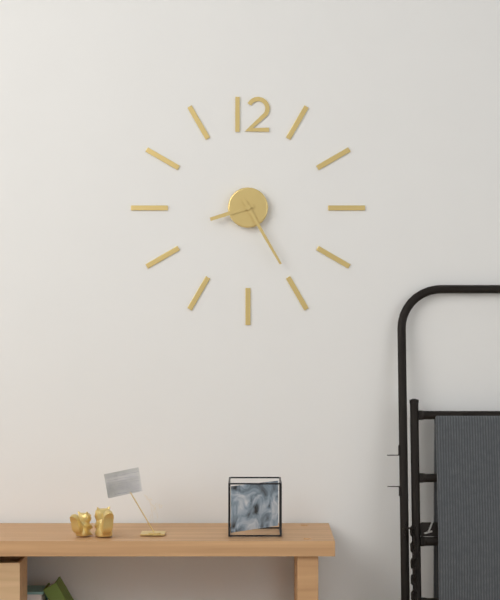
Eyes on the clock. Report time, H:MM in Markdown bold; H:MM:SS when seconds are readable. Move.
**8:25**
